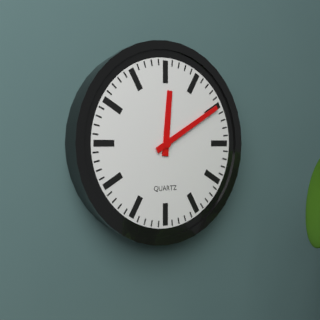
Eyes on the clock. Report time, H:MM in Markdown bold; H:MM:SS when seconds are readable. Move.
**12:10**
